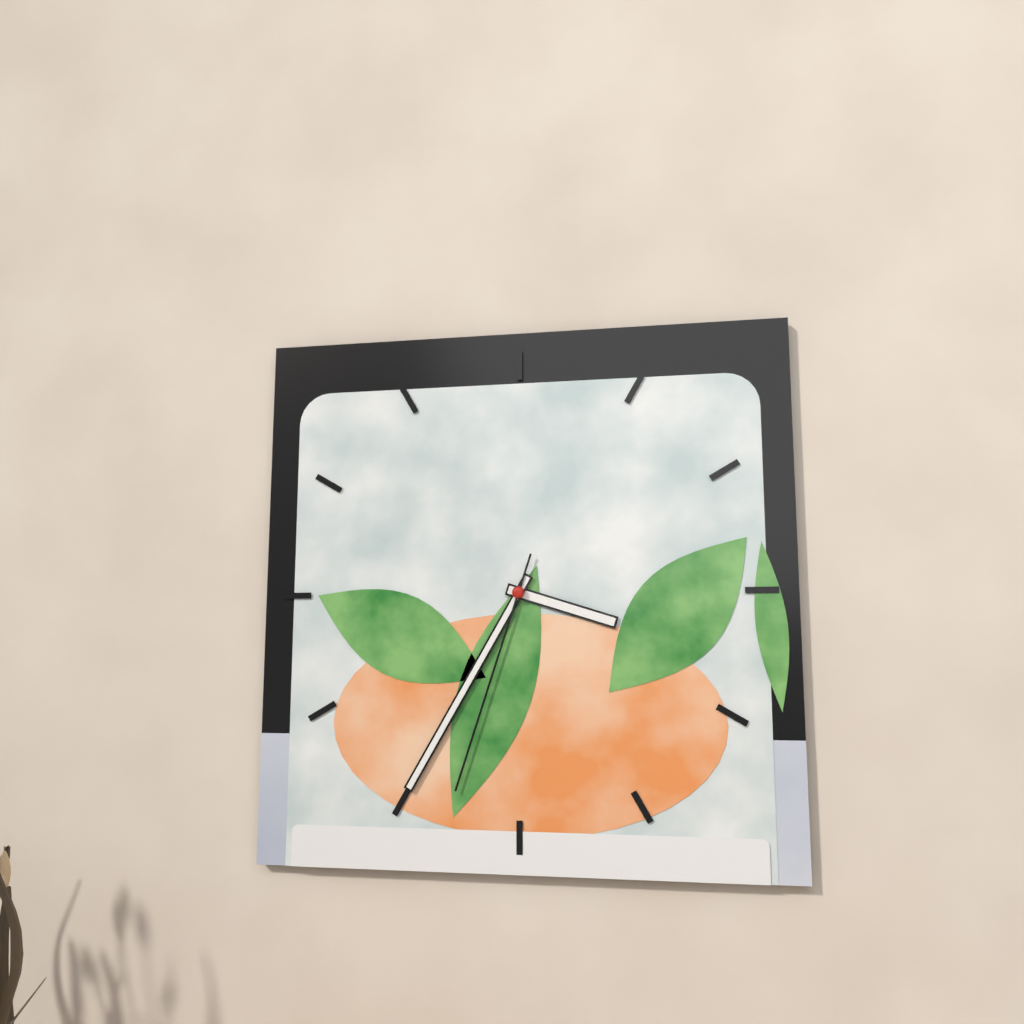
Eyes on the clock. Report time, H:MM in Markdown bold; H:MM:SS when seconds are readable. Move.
**3:35:33**
